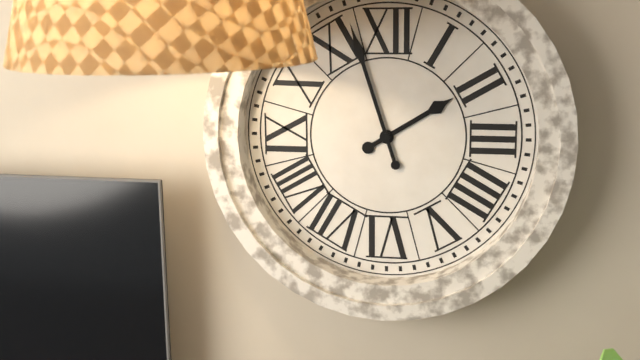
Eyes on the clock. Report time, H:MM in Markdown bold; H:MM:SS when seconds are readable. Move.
**1:57**
